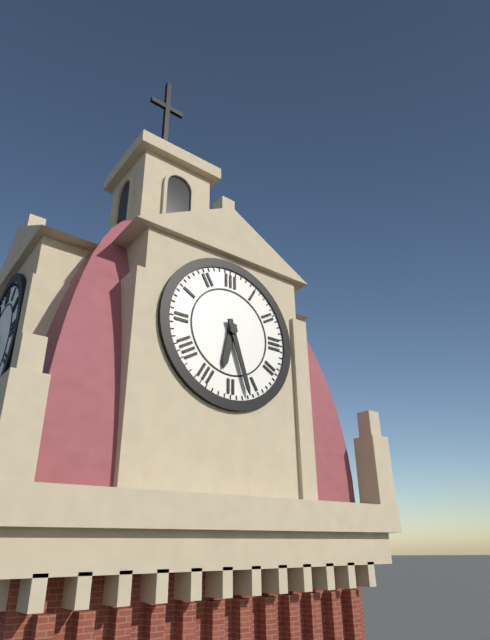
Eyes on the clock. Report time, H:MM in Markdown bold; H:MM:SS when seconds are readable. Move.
**6:27**
